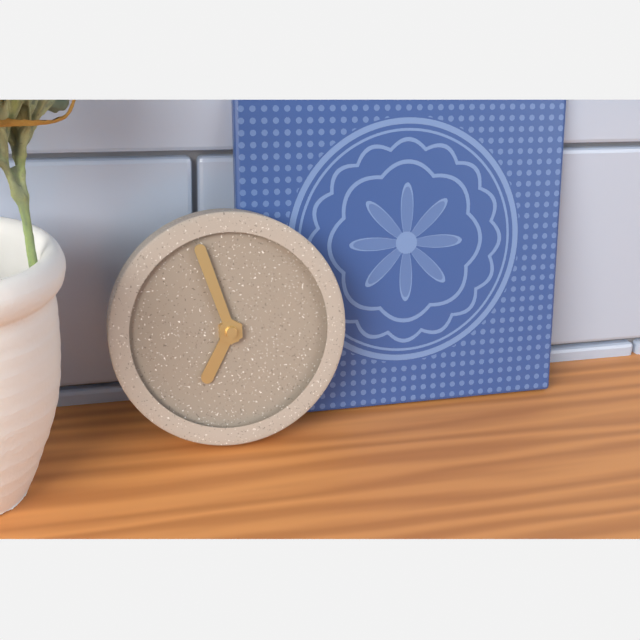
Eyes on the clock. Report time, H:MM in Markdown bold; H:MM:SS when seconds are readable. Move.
**6:57**
